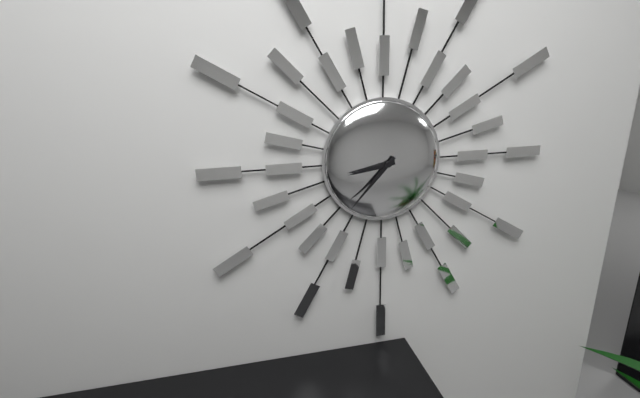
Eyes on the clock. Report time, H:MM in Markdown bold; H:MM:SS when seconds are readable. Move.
**8:37**
